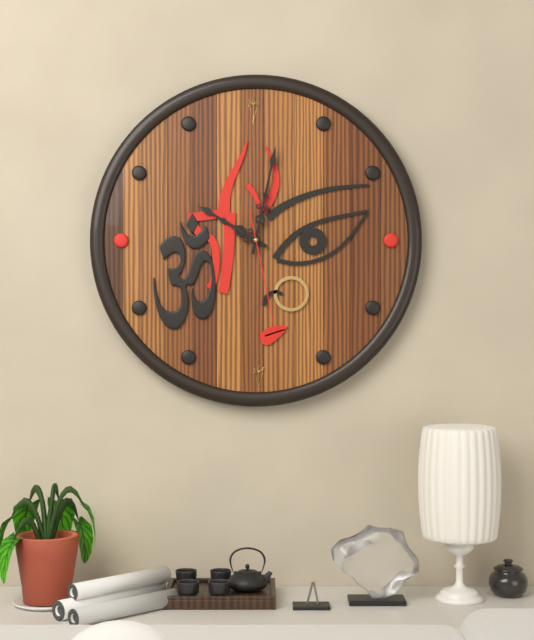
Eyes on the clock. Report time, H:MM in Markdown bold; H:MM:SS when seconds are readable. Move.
**10:02:28**
